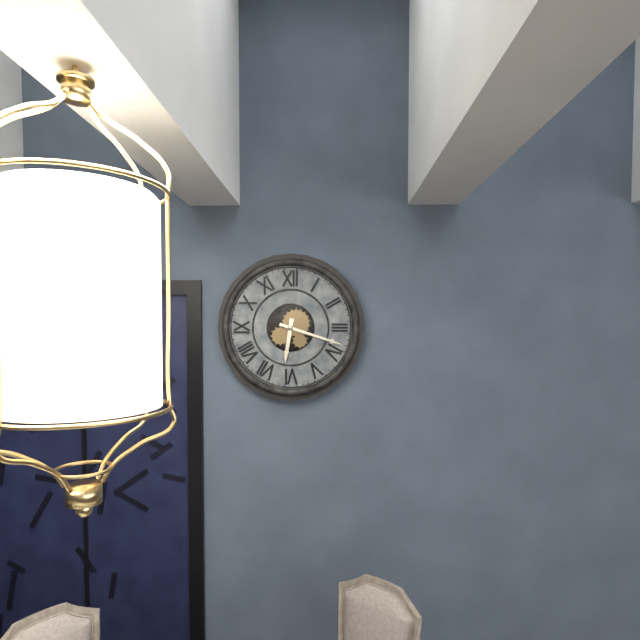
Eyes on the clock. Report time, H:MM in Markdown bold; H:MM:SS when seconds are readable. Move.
**6:18**
